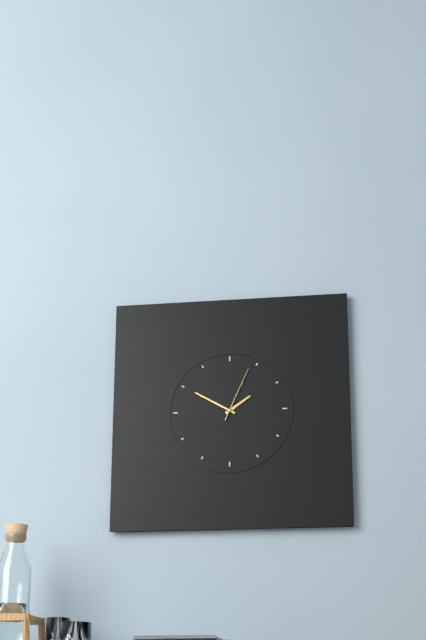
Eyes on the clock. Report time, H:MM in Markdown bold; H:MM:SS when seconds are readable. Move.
**1:50:04**
